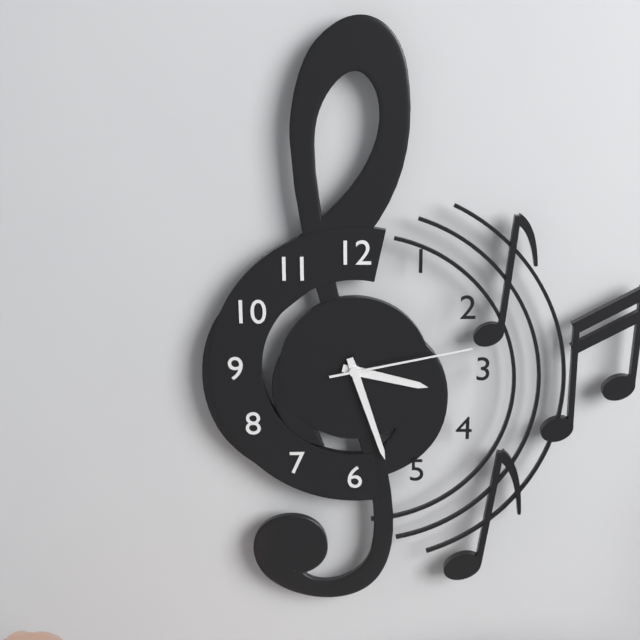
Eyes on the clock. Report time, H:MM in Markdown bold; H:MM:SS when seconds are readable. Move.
**3:27:13**
